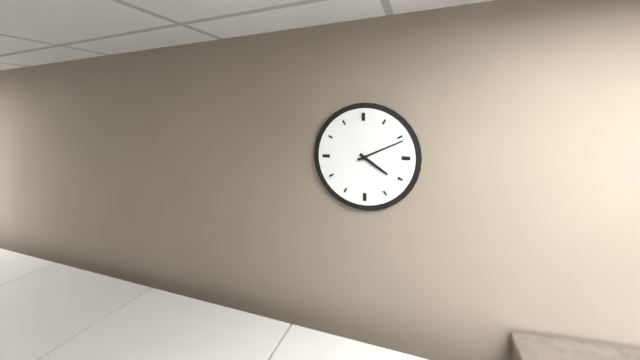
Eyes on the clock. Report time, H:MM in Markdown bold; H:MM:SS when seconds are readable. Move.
**4:11**
